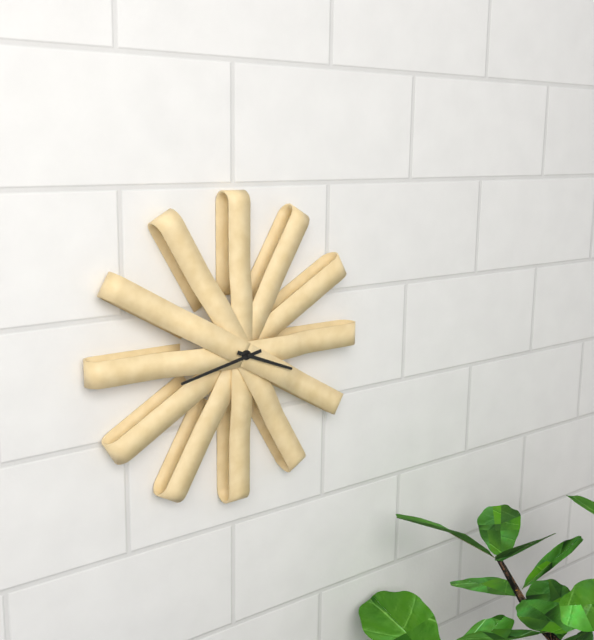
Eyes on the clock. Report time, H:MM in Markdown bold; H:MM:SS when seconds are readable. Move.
**3:43**
